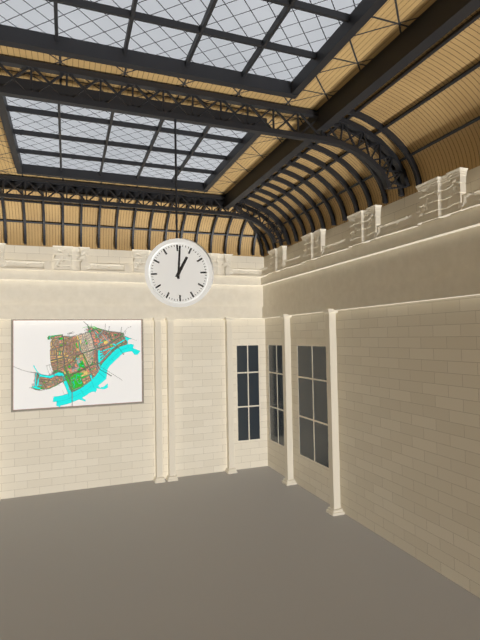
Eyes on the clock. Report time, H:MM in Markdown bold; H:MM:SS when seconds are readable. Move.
**1:01**
